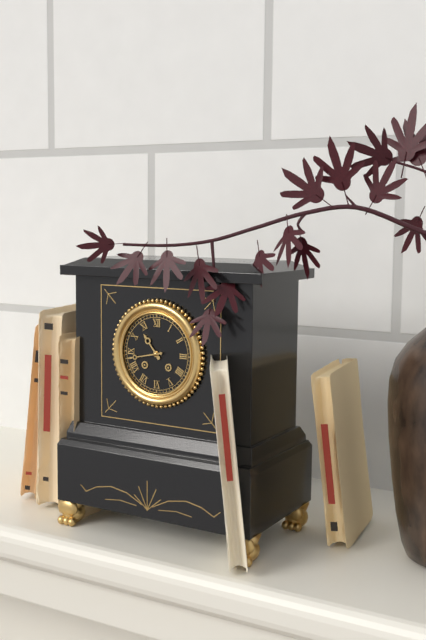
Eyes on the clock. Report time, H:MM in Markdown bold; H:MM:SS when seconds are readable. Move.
**10:43**
